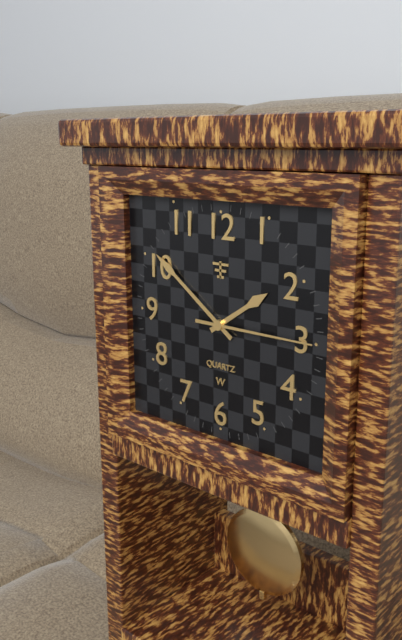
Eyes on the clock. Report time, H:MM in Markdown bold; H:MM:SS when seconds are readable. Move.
**1:51:15**
